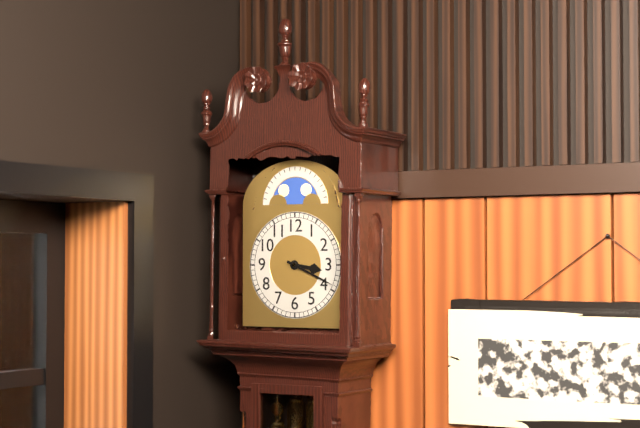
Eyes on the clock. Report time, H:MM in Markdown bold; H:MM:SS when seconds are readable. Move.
**3:19**
